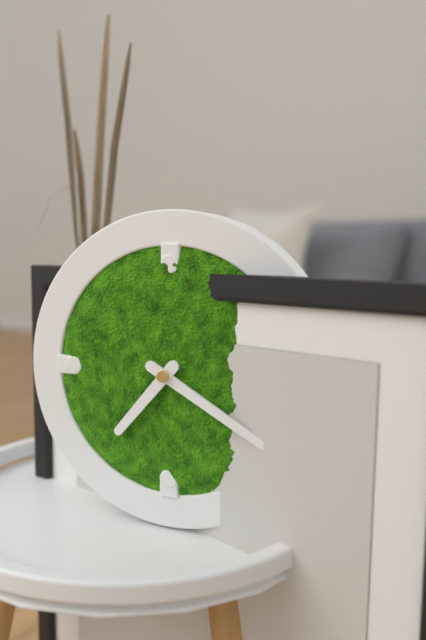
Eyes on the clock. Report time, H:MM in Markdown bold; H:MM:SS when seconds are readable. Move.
**7:20**
